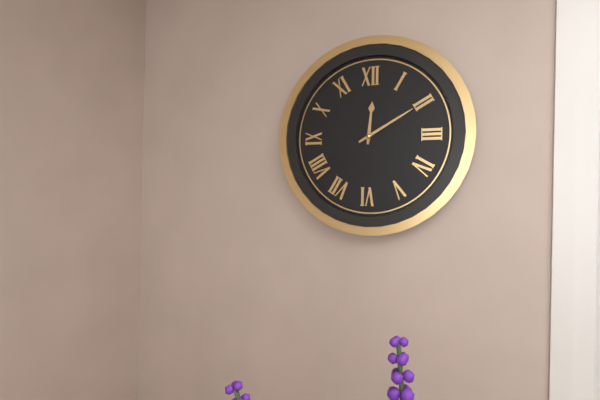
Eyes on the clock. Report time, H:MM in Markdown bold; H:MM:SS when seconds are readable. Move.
**12:10**
